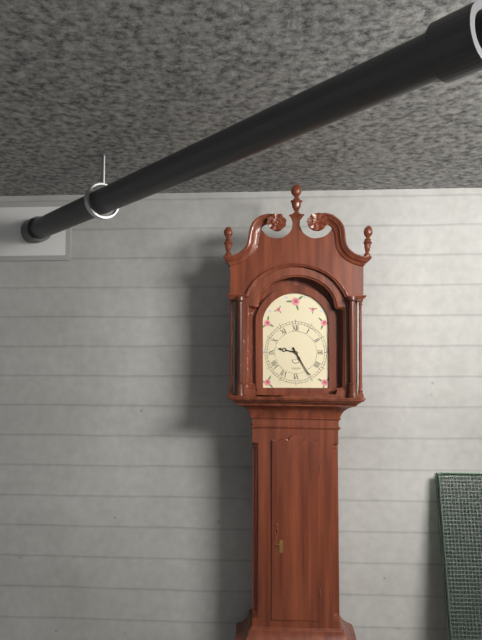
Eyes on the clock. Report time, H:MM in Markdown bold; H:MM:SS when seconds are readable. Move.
**9:25**
